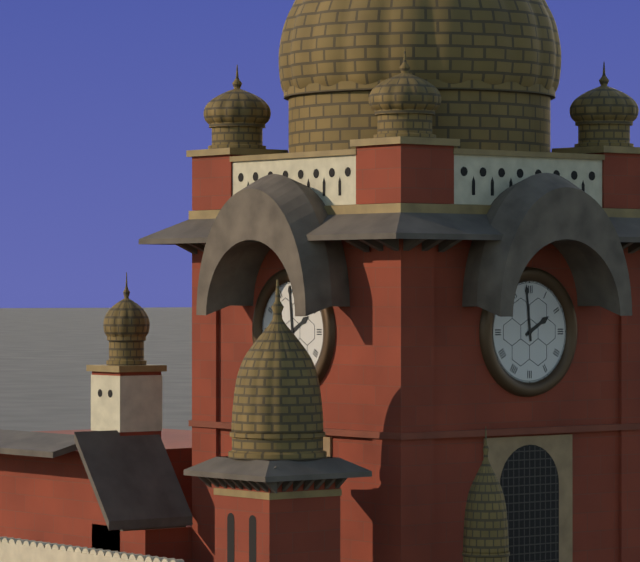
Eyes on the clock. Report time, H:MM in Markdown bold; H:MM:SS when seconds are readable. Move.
**1:59**
